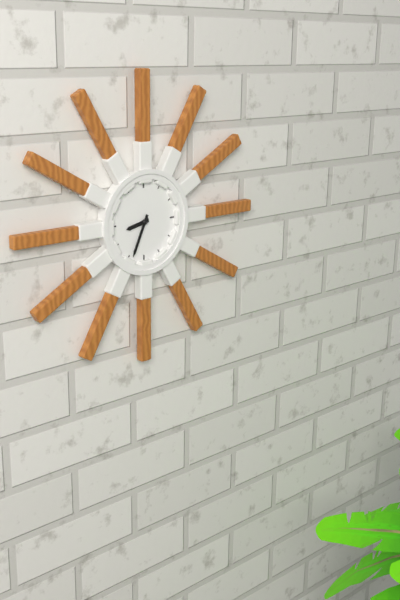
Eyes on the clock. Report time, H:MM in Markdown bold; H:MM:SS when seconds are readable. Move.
**8:34**
